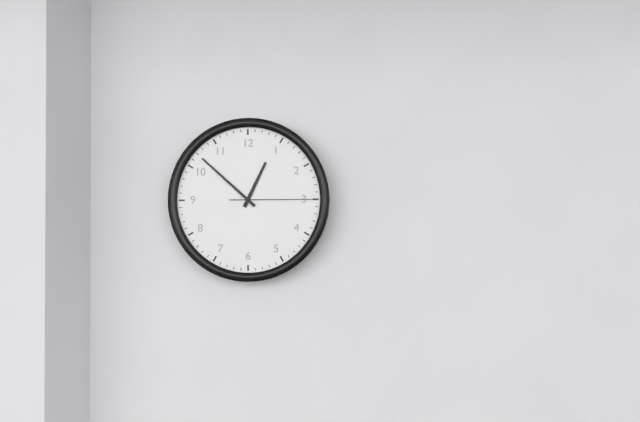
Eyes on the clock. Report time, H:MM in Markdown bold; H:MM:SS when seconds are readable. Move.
**12:52:15**
